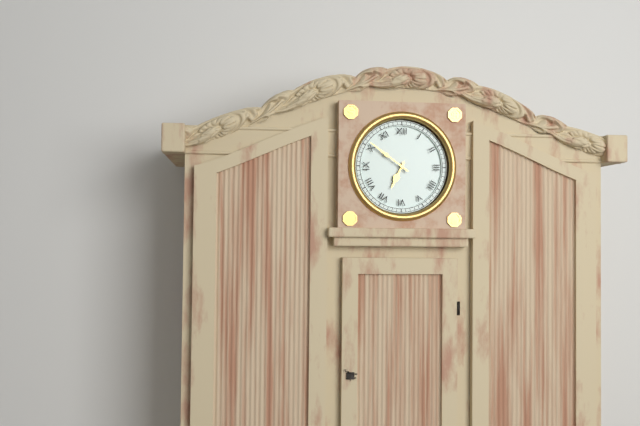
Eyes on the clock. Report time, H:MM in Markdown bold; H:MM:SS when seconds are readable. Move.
**6:51**
